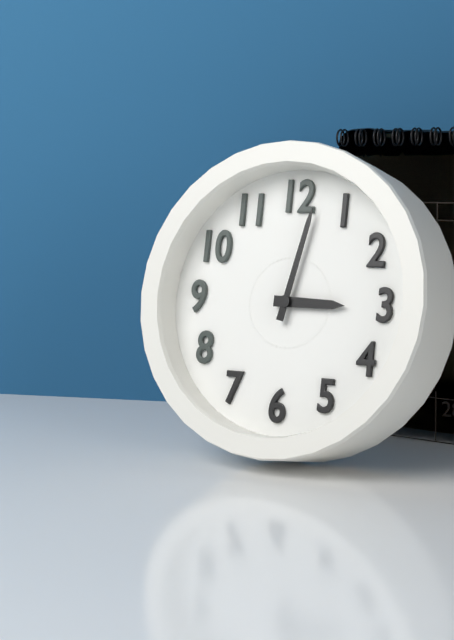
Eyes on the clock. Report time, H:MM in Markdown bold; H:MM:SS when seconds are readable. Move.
**3:02**
